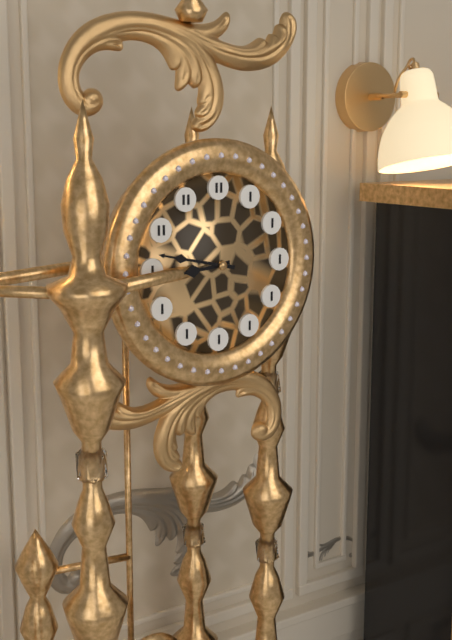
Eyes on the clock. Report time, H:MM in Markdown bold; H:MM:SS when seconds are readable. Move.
**8:47**
